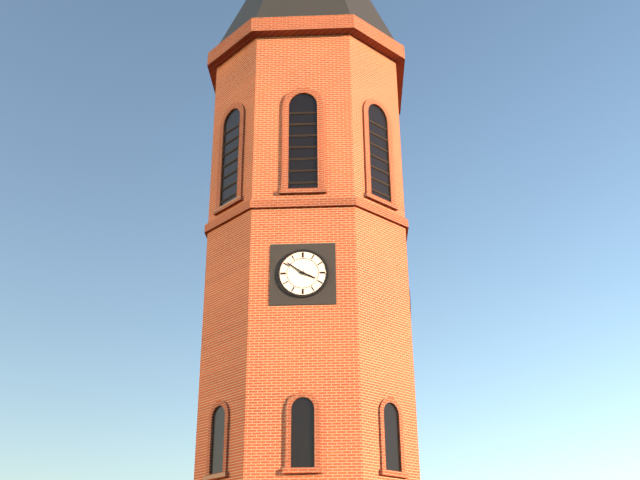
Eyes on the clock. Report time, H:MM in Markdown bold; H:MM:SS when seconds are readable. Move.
**3:51**
